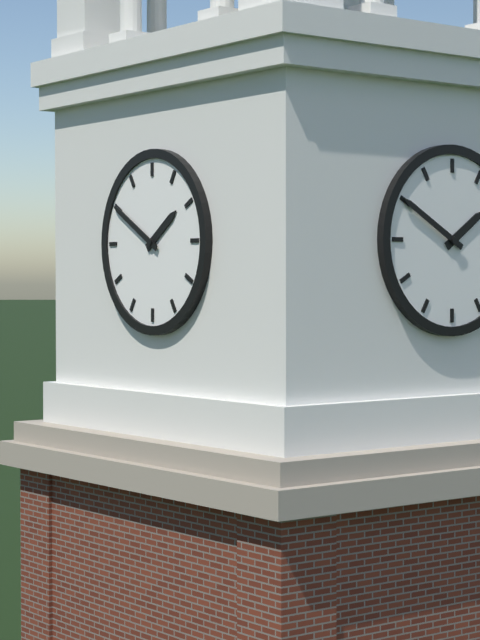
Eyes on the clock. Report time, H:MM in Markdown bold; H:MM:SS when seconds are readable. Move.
**1:50**
